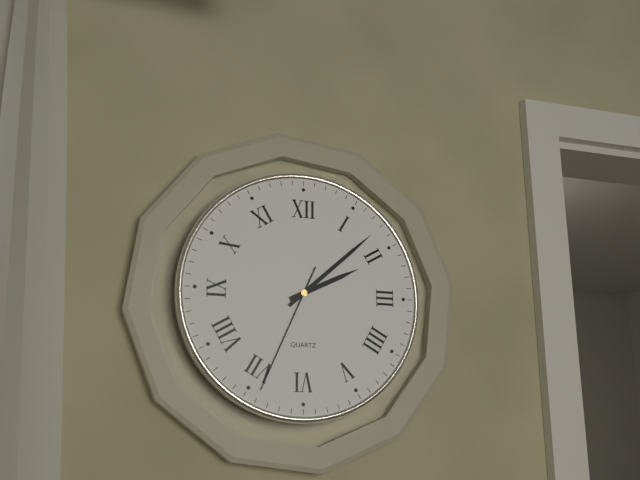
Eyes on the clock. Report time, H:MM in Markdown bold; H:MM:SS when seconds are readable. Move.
**2:08:34**
